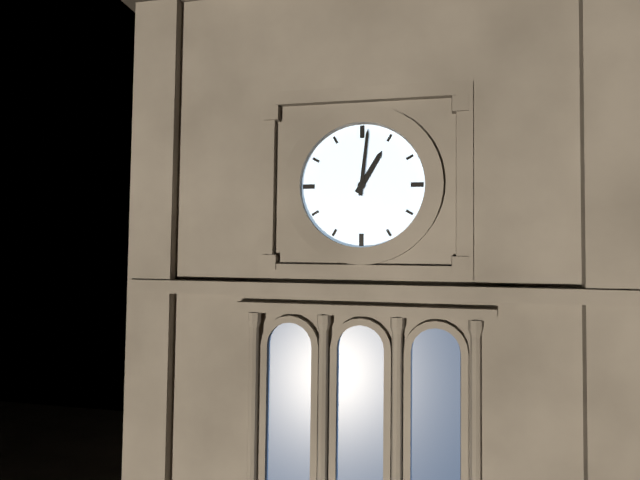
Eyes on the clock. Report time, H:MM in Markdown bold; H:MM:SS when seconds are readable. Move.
**1:01**
